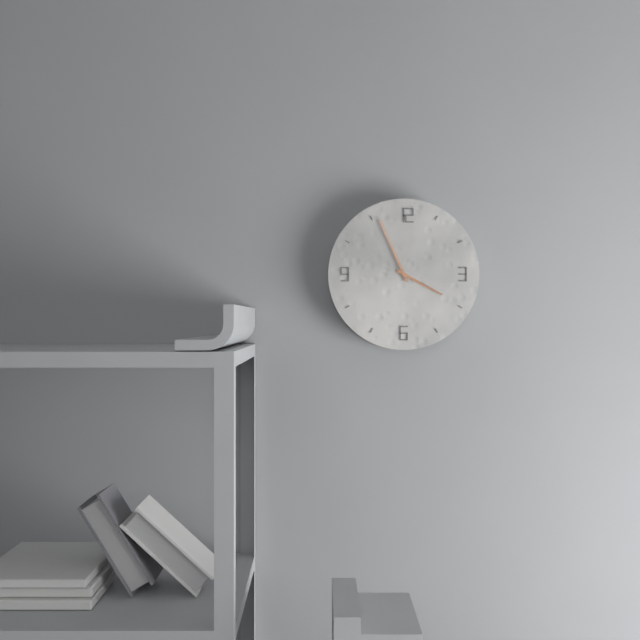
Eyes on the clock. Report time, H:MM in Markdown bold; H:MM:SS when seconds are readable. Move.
**3:56**
